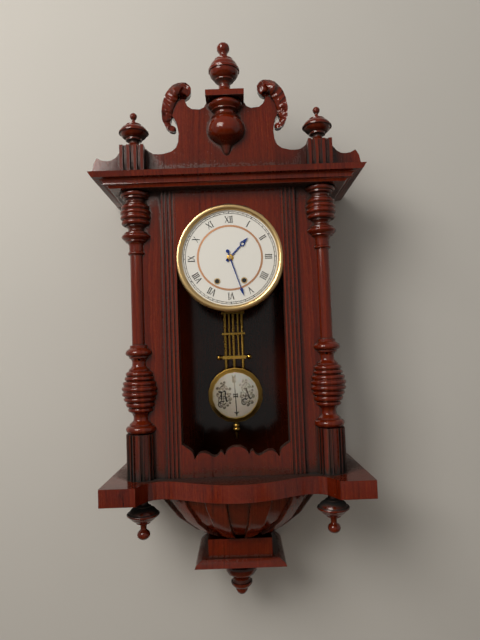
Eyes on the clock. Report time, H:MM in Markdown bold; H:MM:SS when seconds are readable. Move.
**1:27**
